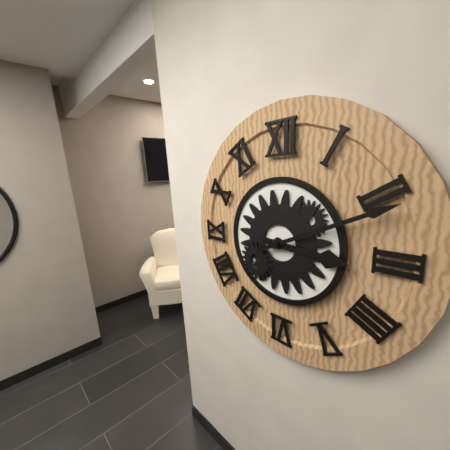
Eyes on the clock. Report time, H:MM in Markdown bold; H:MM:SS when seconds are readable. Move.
**3:11**
